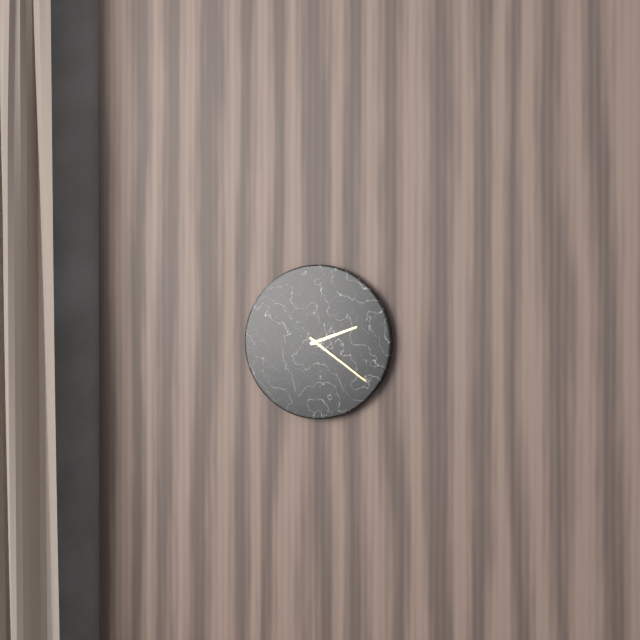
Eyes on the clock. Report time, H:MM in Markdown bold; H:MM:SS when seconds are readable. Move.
**2:21**
